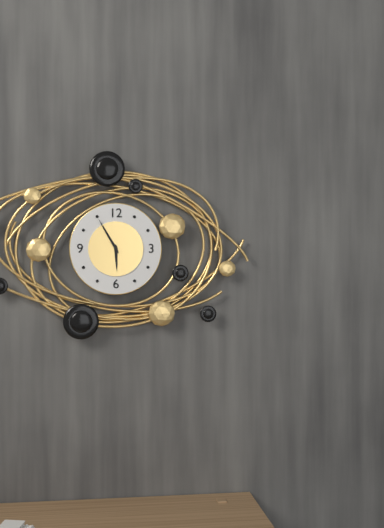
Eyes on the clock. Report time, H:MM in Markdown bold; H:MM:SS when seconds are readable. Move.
**5:55**
